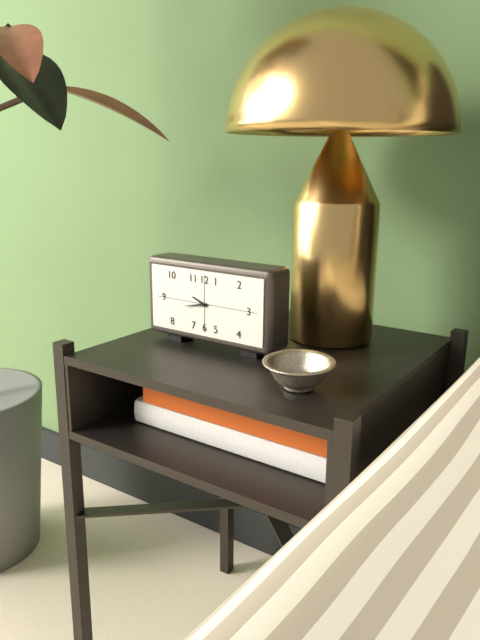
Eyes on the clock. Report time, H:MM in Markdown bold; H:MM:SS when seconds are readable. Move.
**9:43**
